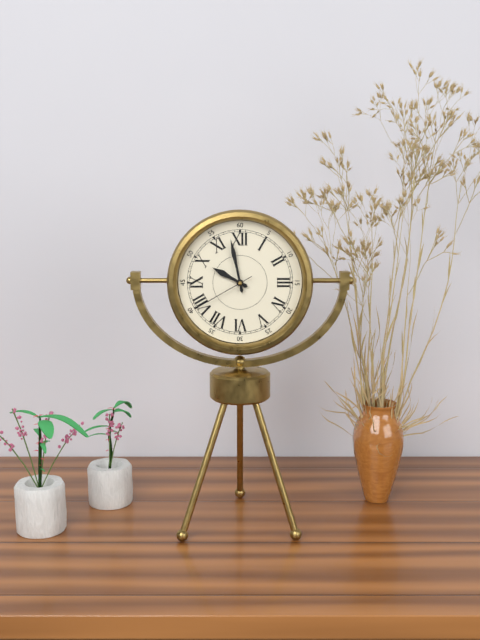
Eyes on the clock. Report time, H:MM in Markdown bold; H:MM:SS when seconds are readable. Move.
**9:58:40**
